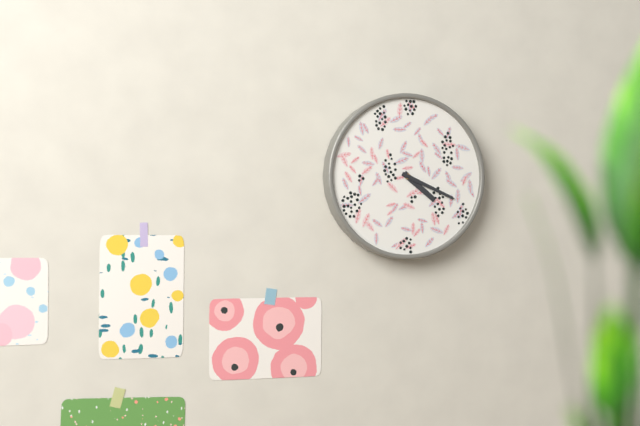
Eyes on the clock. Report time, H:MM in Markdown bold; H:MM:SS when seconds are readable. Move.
**4:19**
